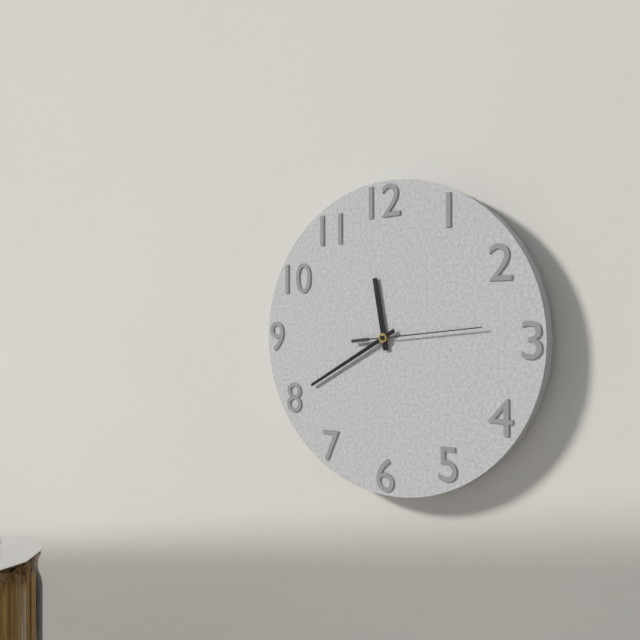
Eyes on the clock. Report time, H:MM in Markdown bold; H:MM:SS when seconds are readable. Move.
**11:40:14**
